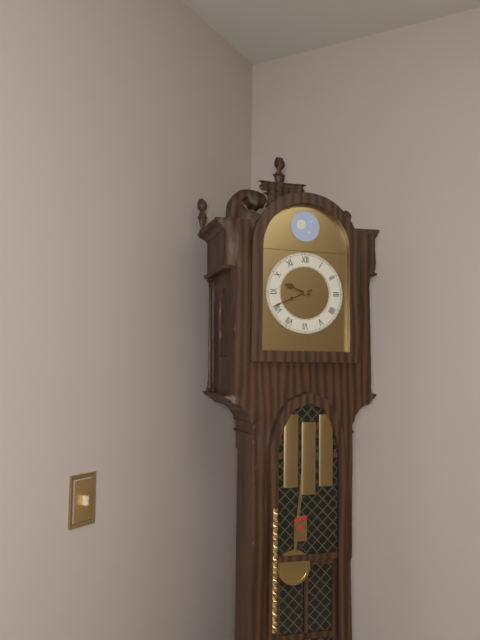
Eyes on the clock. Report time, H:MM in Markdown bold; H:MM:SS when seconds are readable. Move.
**9:41**
